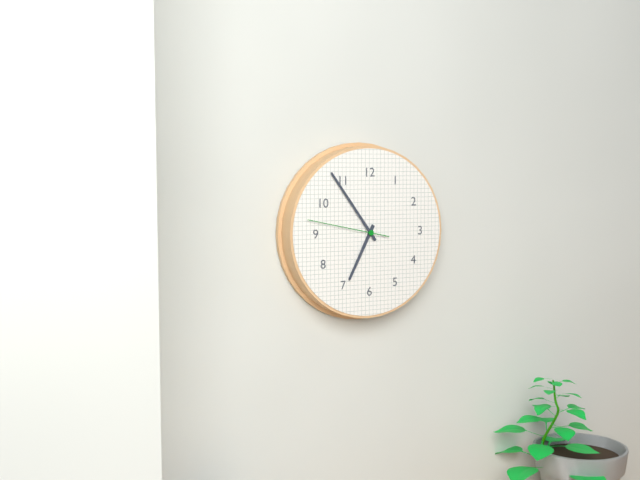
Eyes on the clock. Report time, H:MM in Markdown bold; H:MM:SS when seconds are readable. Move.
**6:54:47**
